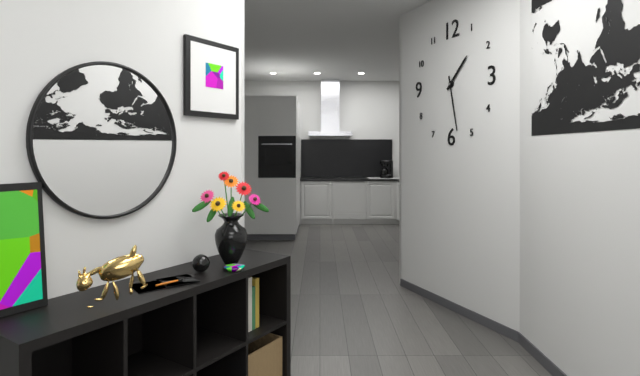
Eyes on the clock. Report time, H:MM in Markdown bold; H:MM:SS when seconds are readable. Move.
**1:28**
